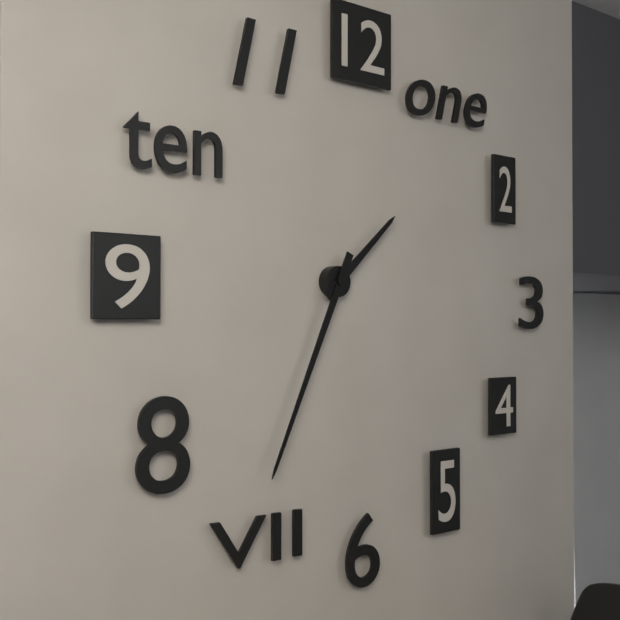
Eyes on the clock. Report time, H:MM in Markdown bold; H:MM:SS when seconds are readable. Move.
**1:34**
